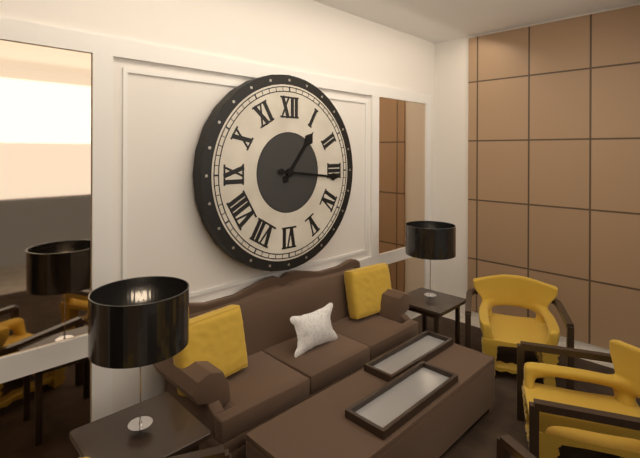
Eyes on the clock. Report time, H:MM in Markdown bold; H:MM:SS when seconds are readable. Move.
**1:16**
